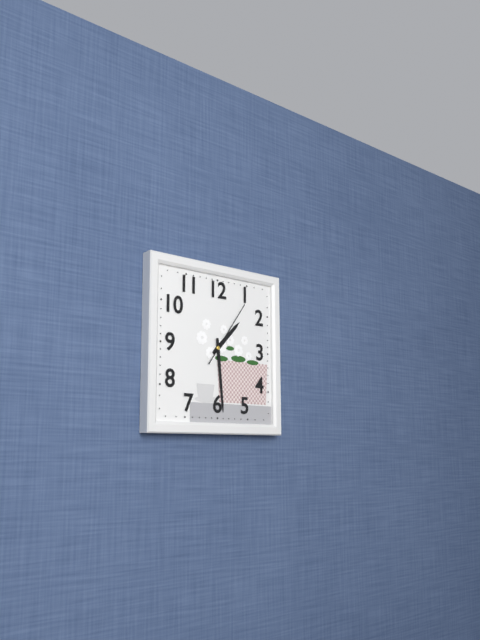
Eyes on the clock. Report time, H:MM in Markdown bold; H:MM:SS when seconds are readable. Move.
**1:29:06**
